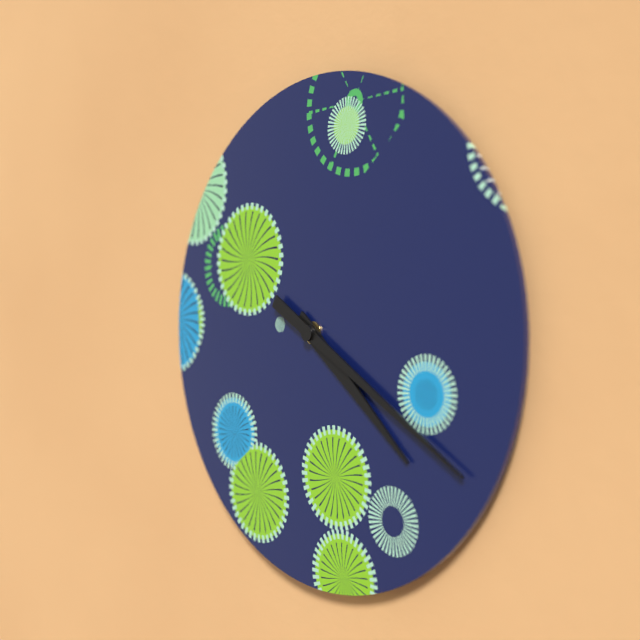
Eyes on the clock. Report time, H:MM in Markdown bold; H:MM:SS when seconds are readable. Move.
**4:20**
